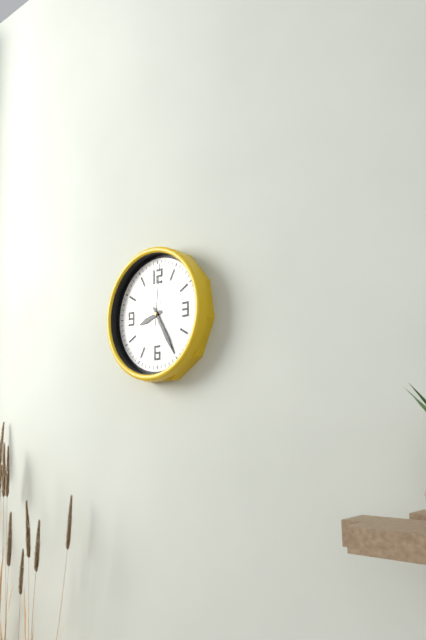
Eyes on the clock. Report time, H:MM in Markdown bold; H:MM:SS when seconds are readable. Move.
**8:25:01**
